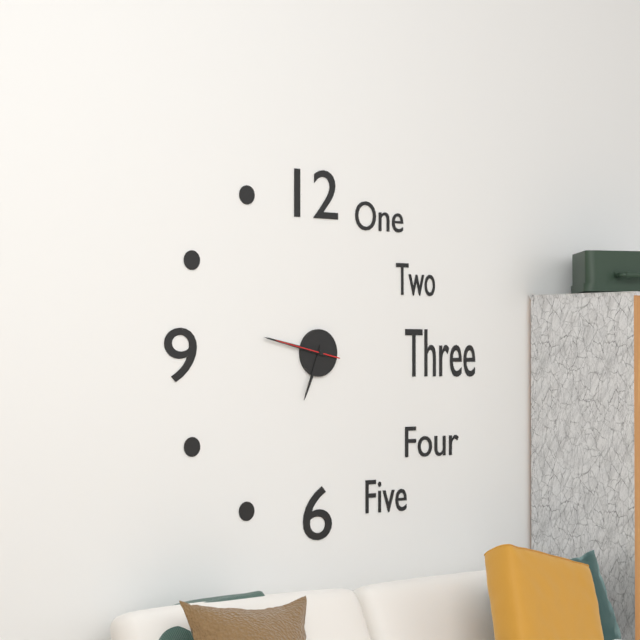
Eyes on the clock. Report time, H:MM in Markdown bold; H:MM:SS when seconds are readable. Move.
**6:47:47**
